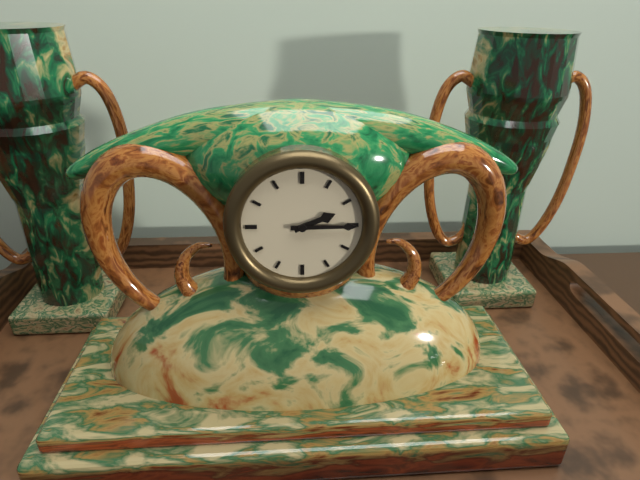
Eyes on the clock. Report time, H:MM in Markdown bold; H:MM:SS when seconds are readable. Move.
**2:15**
